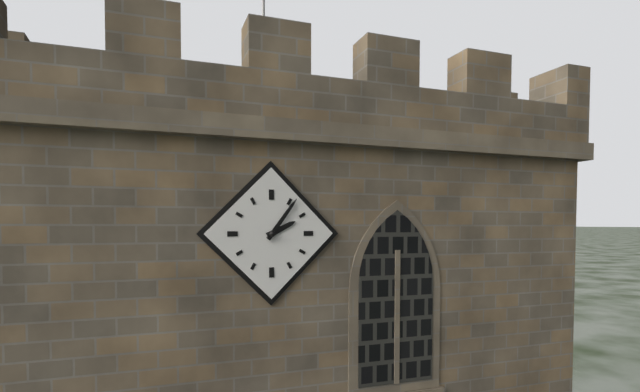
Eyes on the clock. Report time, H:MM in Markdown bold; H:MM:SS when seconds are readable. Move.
**2:06**
